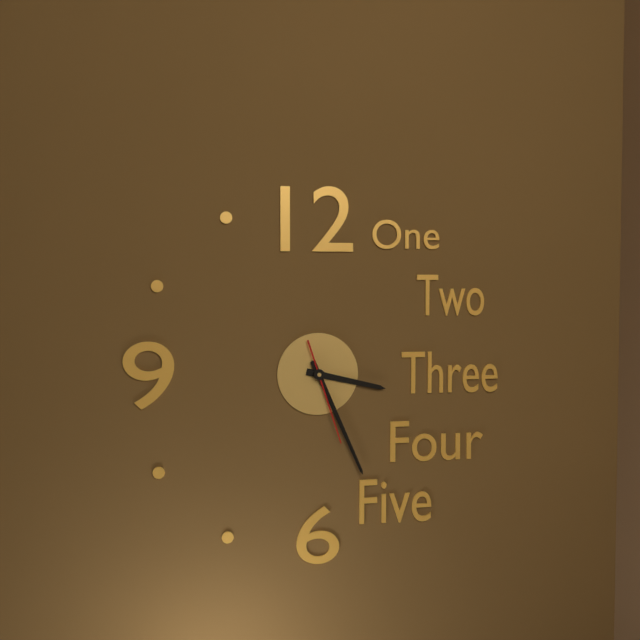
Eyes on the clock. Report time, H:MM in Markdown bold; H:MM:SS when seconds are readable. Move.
**3:26:27**
